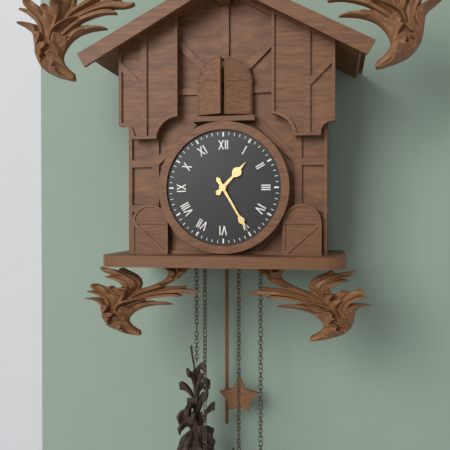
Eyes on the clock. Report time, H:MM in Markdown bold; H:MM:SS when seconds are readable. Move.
**1:25**
